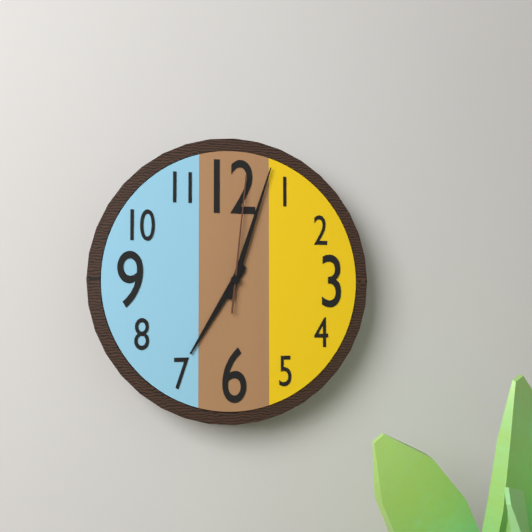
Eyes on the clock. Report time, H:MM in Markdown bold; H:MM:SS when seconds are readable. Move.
**7:03:01**
